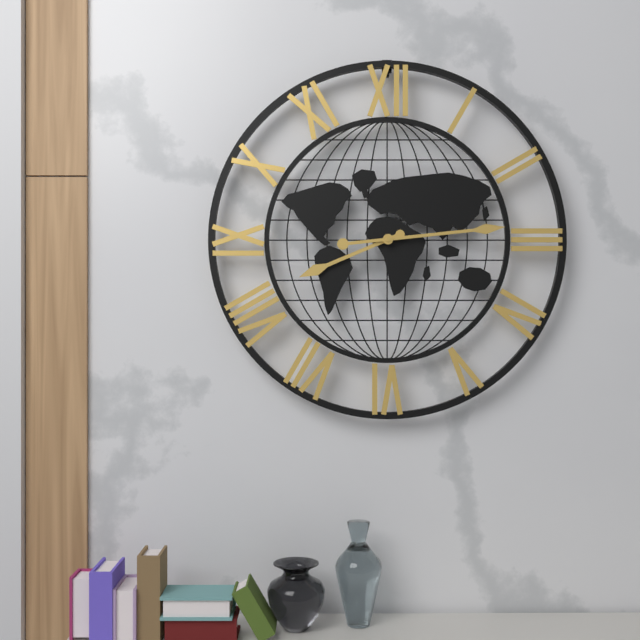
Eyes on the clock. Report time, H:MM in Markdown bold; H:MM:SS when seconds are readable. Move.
**8:14**
